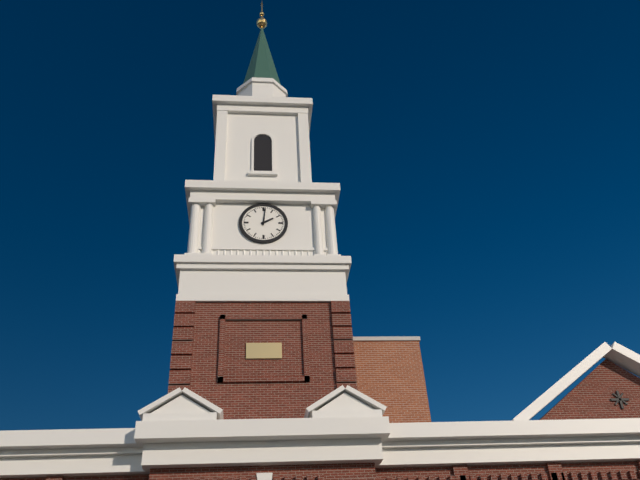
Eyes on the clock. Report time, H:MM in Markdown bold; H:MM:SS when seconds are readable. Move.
**2:01**
